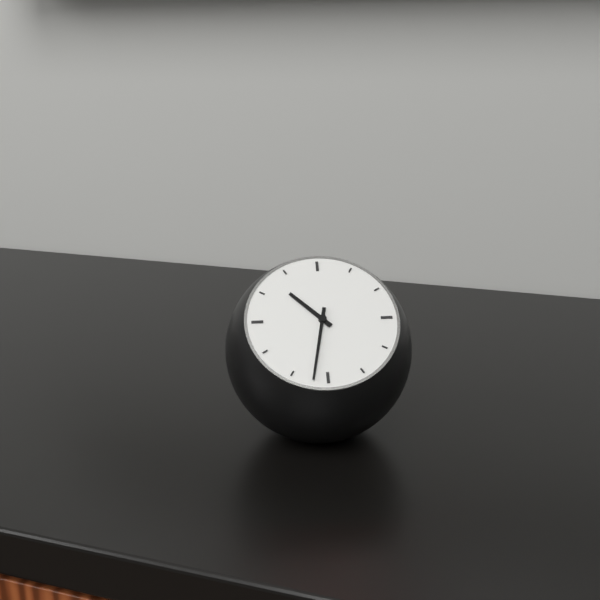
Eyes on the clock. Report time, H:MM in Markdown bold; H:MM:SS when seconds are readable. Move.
**10:32**
